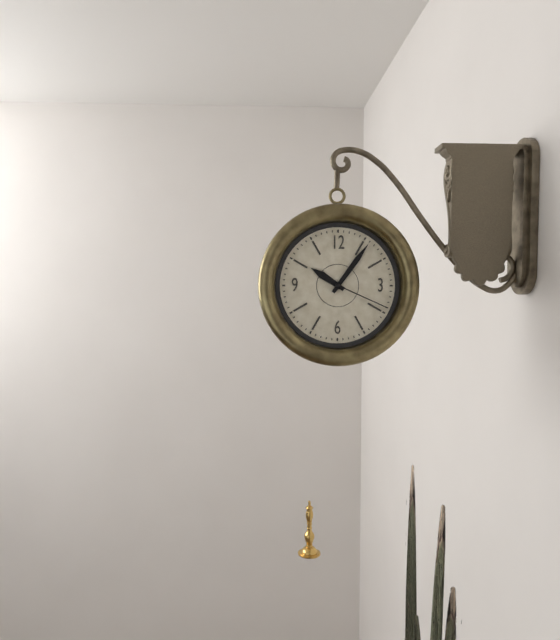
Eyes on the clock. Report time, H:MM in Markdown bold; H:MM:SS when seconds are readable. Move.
**10:06:19**
